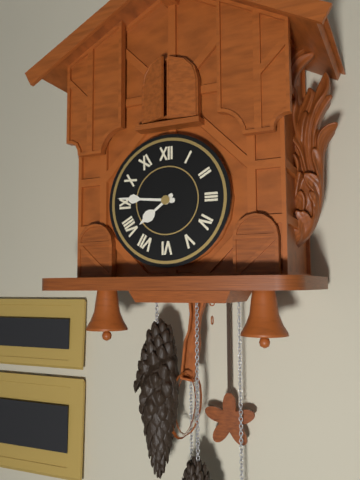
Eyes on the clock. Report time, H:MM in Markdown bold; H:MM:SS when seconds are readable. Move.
**7:46**
